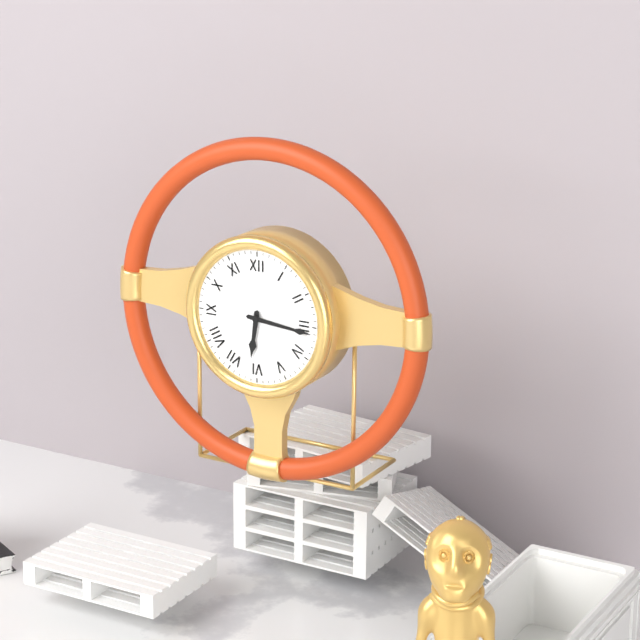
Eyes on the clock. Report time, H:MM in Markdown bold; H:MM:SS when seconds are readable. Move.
**6:16**
